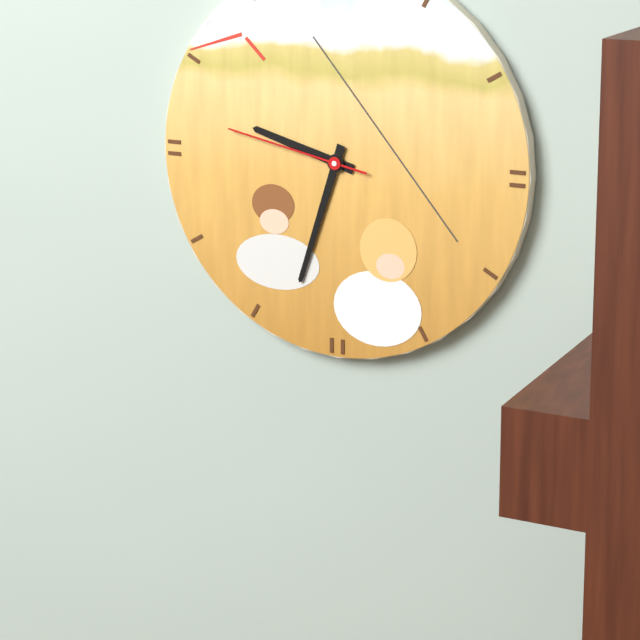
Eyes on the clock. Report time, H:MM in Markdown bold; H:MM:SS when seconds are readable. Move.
**9:33:47**
